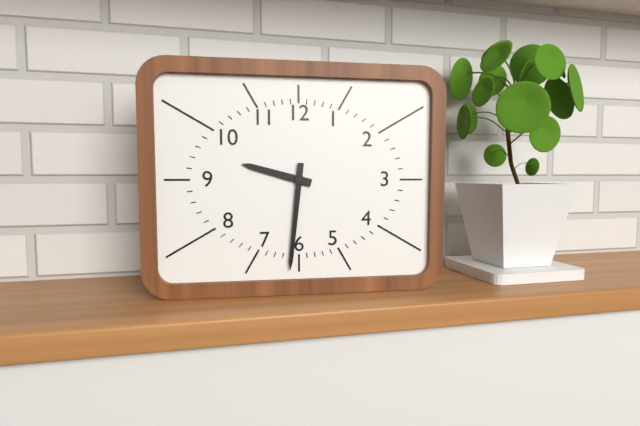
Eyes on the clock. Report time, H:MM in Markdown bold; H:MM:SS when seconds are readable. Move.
**9:31**
